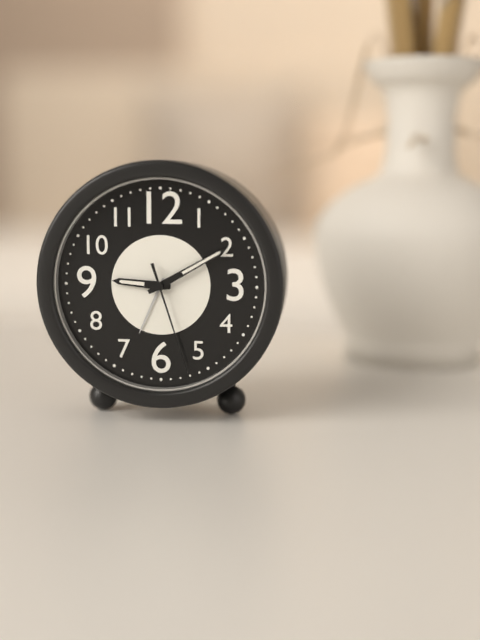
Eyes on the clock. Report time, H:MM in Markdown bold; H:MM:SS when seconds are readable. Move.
**9:10:27**
